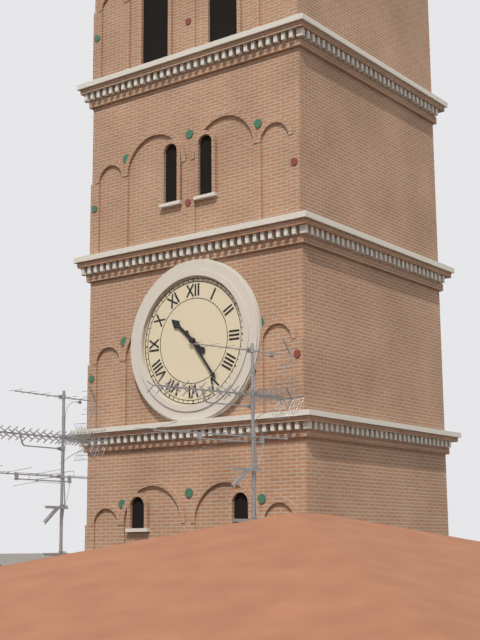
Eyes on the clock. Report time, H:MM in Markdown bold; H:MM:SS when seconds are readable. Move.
**10:24**
